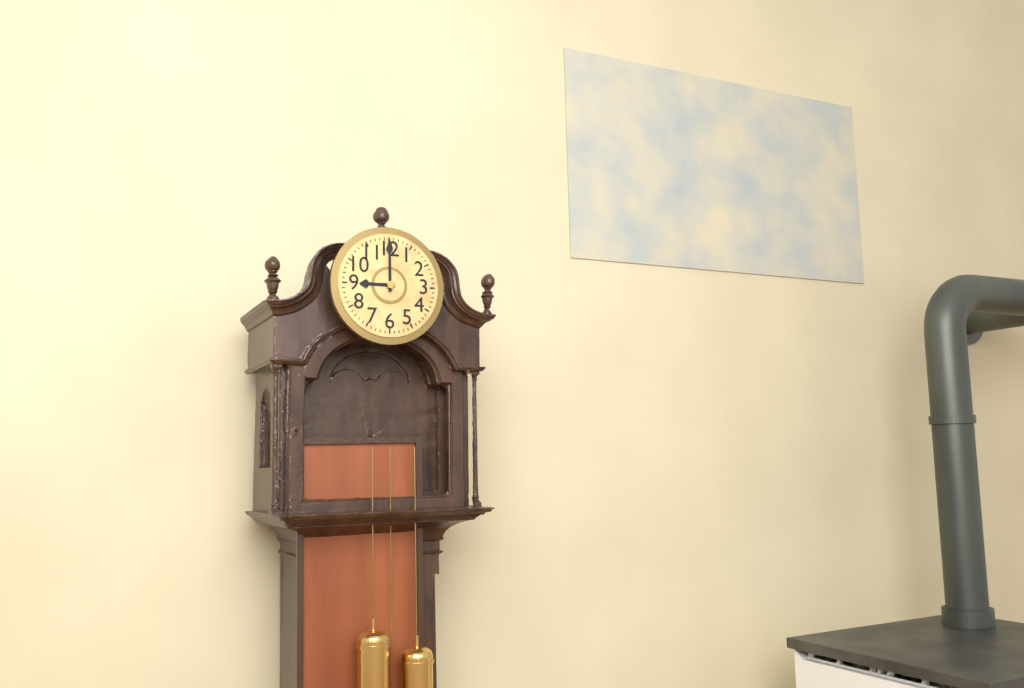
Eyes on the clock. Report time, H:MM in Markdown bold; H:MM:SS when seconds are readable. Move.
**9:00**
